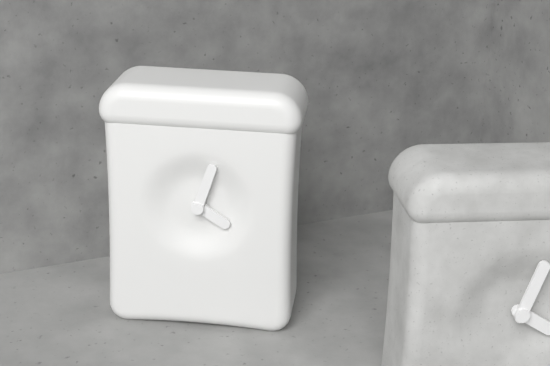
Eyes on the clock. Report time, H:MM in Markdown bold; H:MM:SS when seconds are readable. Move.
**4:03**
